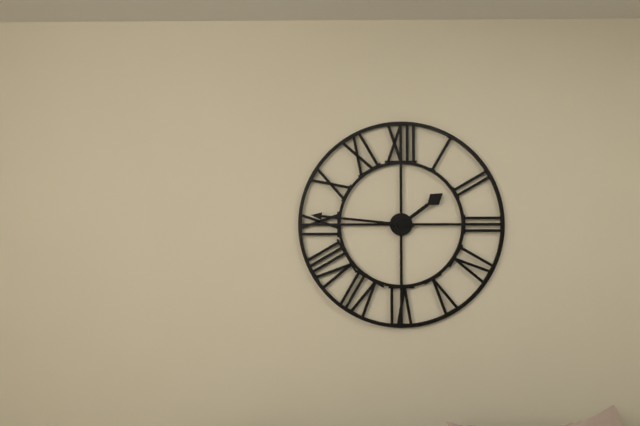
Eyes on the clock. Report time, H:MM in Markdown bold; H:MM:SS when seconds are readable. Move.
**1:46**
